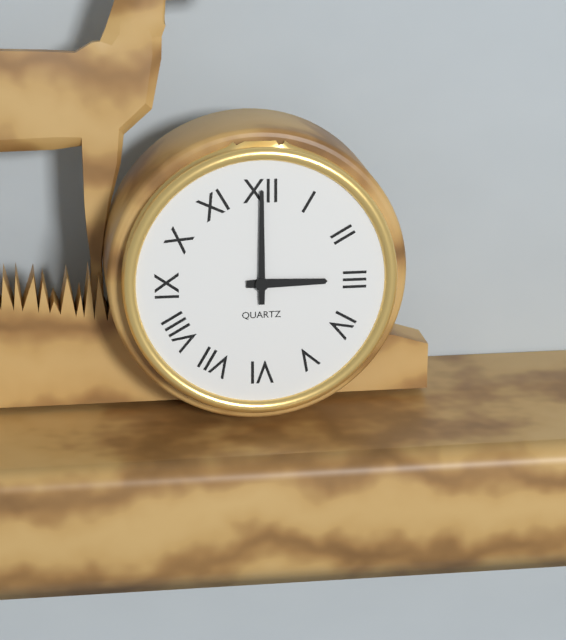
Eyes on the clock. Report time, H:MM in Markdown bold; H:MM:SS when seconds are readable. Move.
**3:00**
